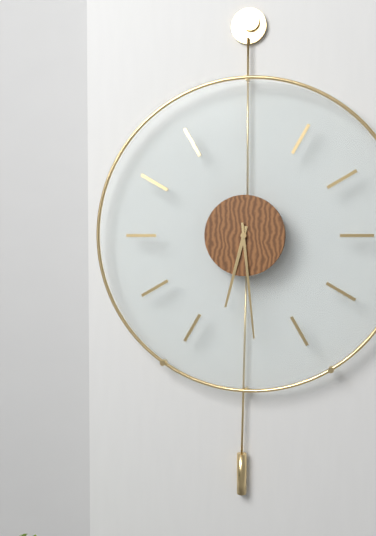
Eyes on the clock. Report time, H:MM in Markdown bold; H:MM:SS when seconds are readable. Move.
**6:29**
